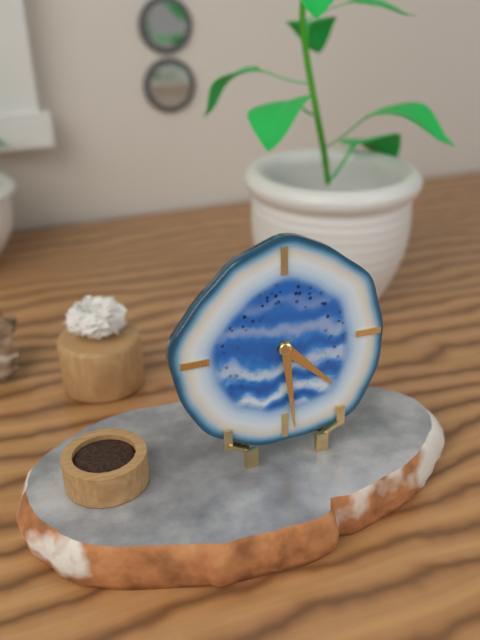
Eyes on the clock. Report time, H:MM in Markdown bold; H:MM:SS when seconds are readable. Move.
**4:29**
